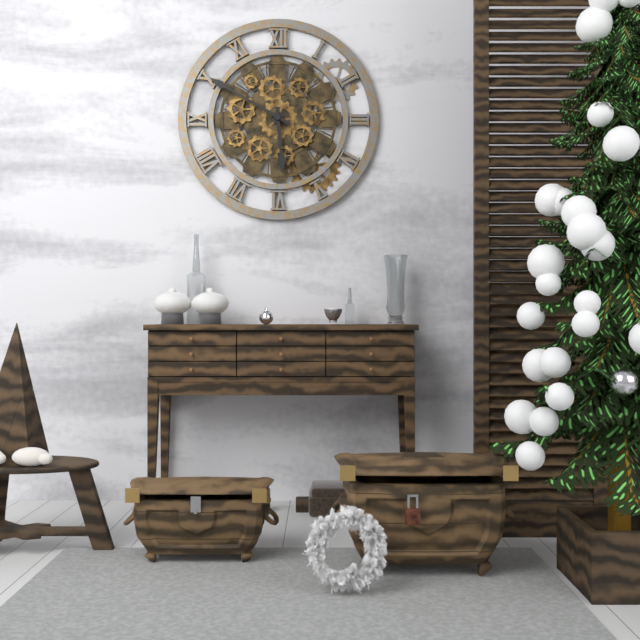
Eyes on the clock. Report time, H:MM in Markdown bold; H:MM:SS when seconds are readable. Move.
**5:50**
